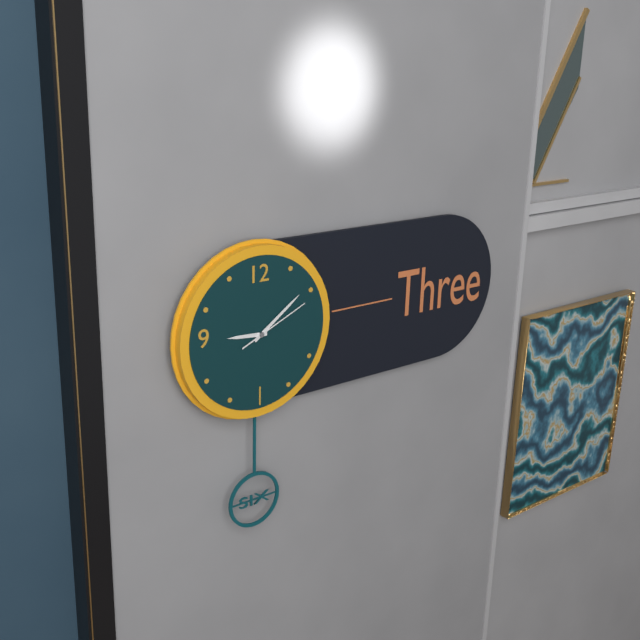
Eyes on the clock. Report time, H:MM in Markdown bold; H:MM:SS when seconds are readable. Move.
**9:09:11**
